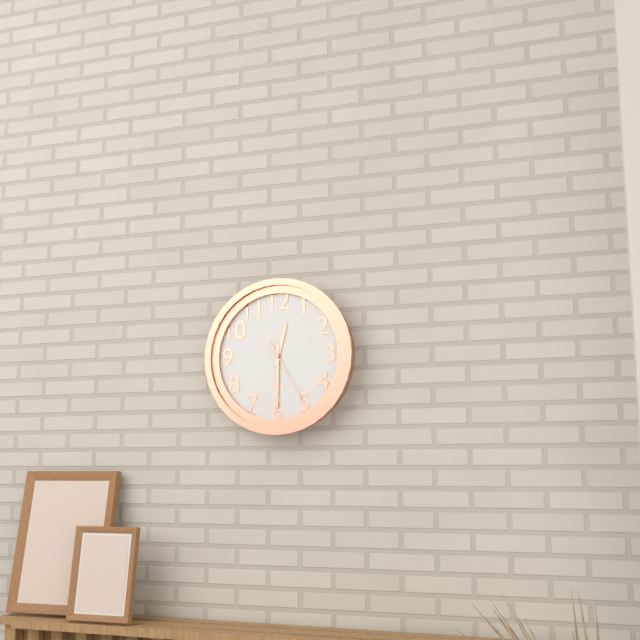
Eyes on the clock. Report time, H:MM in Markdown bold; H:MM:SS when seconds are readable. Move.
**12:30:25**
